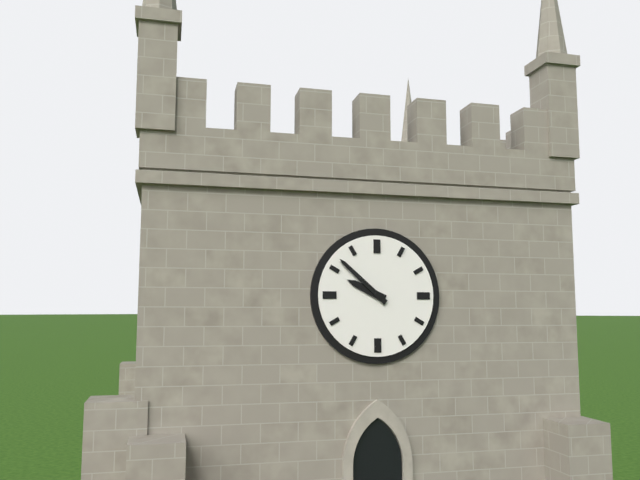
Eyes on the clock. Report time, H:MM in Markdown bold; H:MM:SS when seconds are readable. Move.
**9:52**
